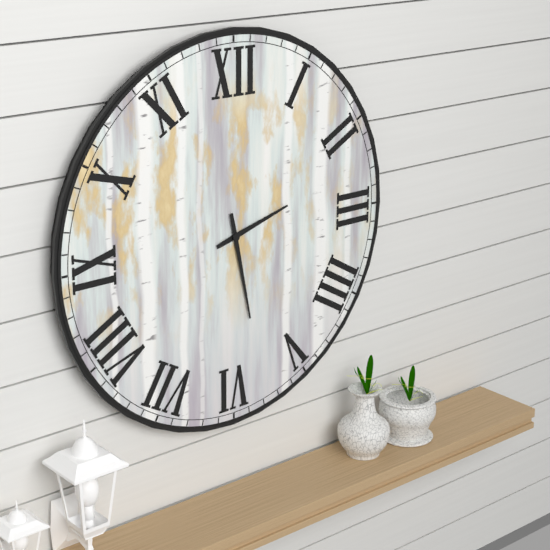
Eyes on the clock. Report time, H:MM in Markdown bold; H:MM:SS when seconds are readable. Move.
**2:28**
